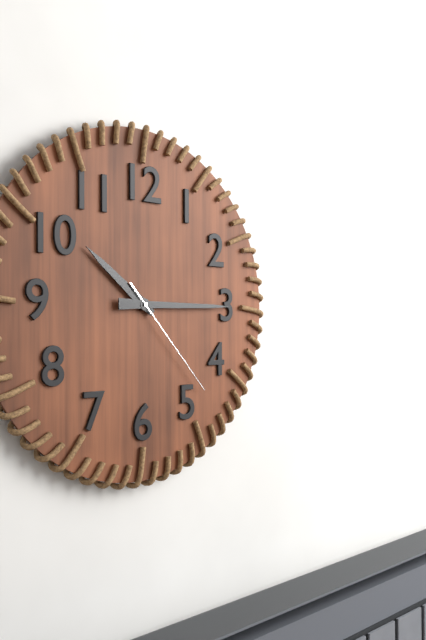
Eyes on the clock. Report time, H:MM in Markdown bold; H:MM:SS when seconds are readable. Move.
**10:15:23**
